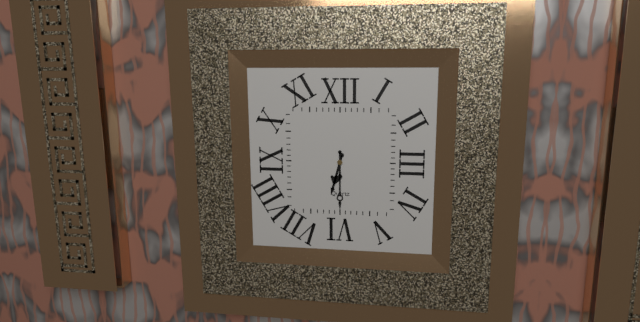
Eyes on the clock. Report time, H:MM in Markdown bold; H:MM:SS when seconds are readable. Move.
**6:30**
